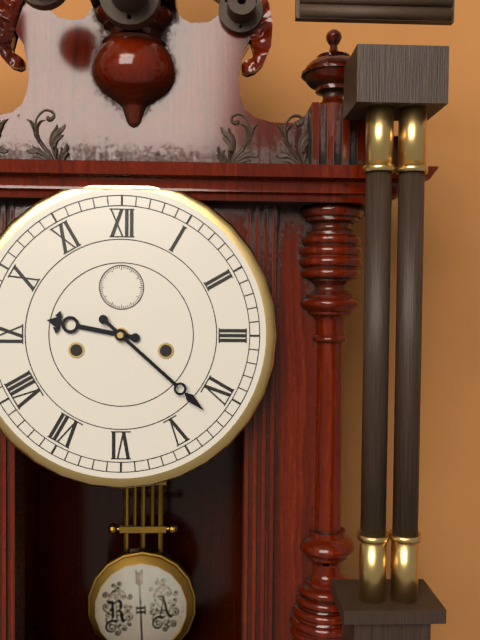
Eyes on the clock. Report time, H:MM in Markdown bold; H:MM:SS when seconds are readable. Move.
**9:22**
